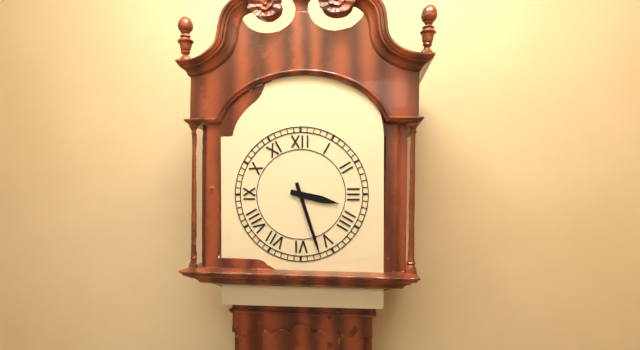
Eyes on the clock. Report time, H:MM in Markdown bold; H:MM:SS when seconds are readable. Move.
**3:27**
